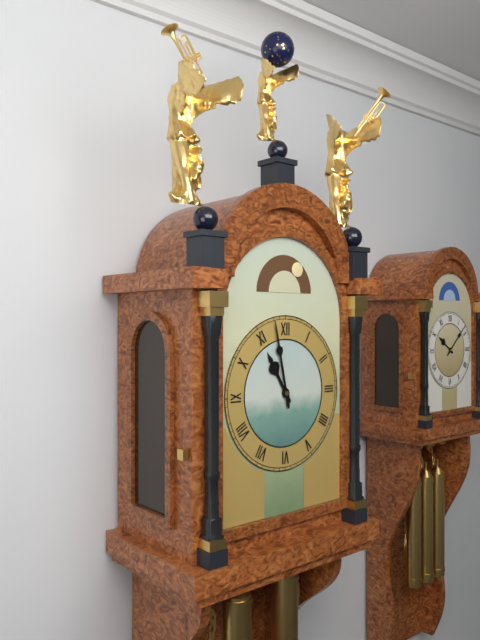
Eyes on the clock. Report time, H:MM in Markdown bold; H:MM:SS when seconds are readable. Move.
**10:58**
